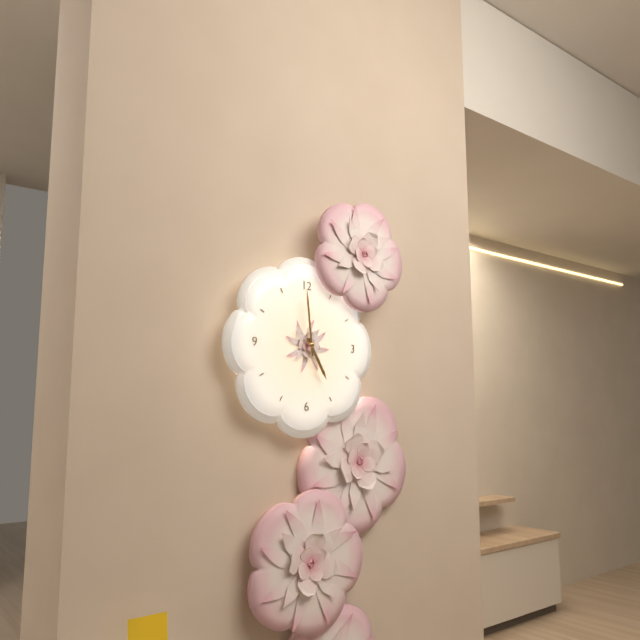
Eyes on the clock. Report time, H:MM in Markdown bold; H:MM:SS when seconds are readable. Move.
**4:59**
